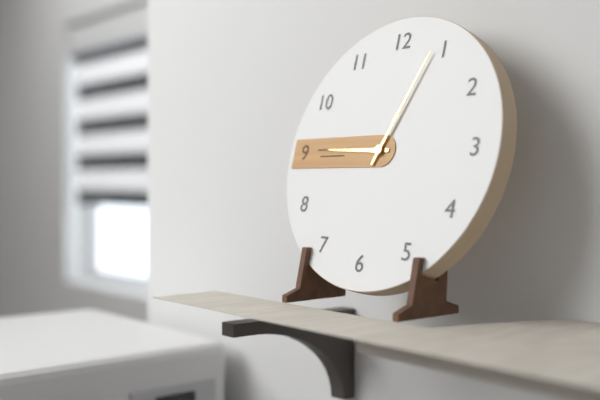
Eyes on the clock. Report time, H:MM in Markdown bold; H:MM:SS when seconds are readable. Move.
**9:04**
